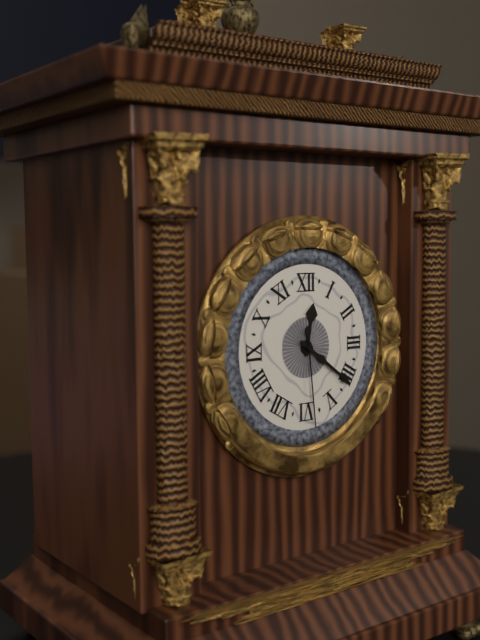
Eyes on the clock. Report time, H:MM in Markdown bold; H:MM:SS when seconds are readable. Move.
**12:21:29**
